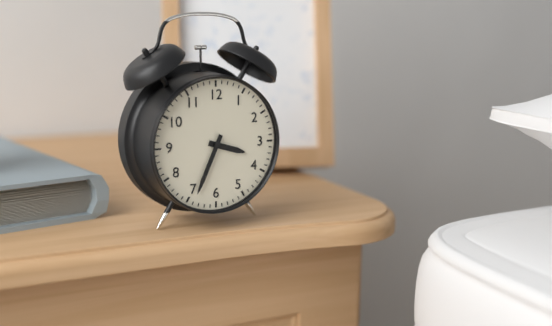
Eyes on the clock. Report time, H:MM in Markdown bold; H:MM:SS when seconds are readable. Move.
**3:34**
